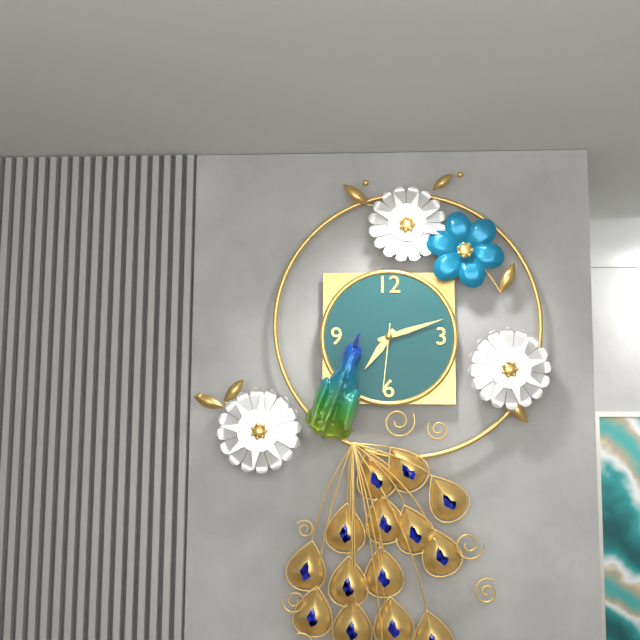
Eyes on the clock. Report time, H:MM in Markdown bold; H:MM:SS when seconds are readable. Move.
**7:12:31**
